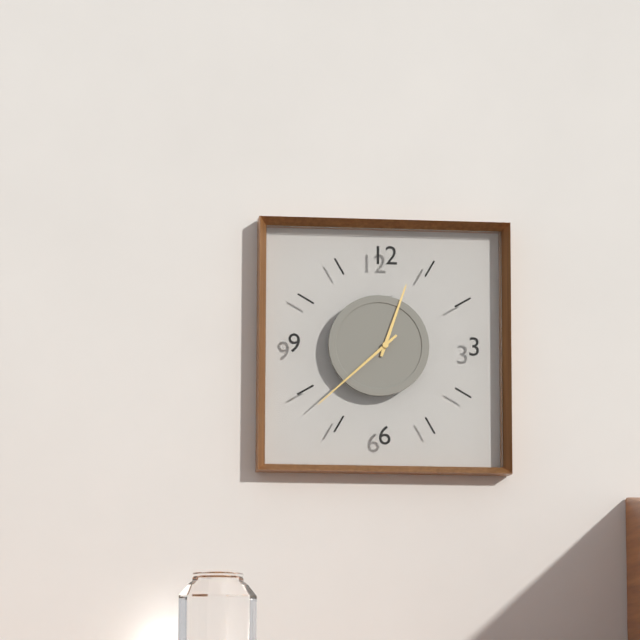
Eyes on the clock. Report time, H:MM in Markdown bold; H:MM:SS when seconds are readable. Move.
**12:38**
